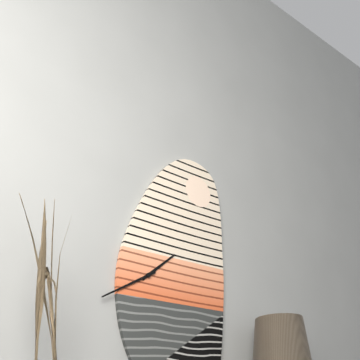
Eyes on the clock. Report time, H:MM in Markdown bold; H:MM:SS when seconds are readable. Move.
**1:40**
